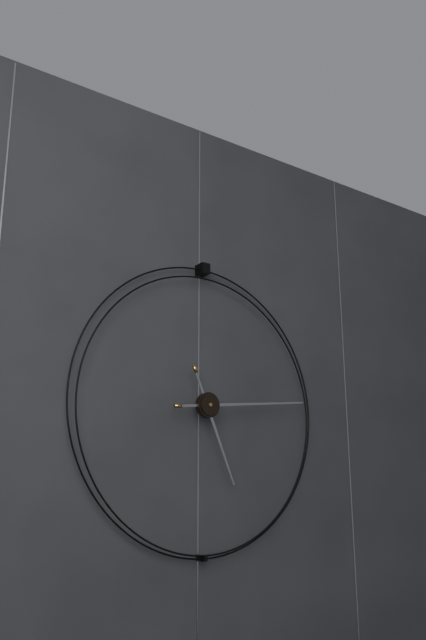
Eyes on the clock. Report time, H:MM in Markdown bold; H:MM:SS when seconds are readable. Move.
**5:14**
